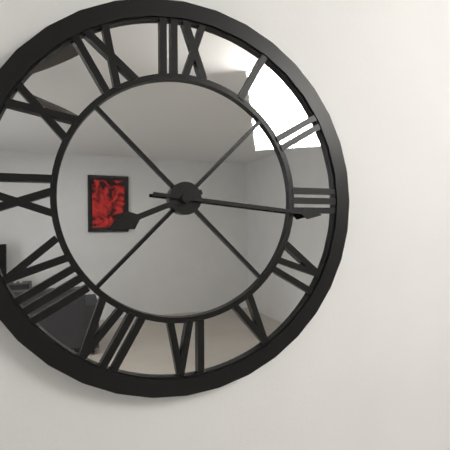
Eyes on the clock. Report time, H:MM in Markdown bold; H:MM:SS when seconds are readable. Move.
**8:16**
